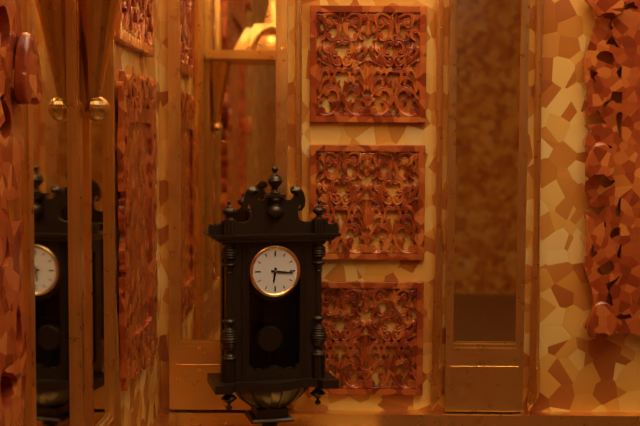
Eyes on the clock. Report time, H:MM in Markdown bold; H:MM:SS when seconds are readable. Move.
**6:16**
